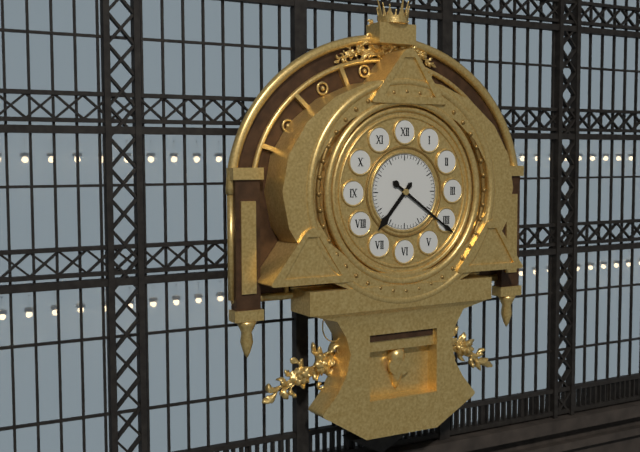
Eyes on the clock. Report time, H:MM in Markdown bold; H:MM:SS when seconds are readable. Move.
**7:21**
